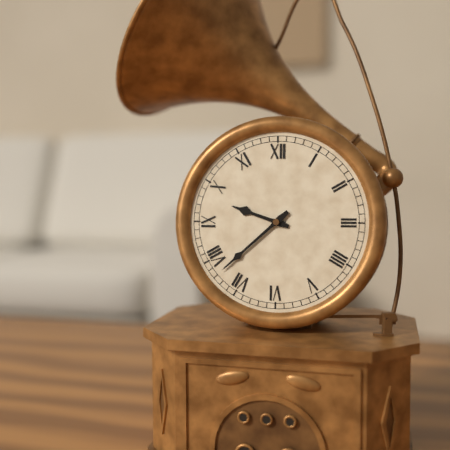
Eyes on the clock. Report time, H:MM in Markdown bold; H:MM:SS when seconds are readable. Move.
**9:38**
